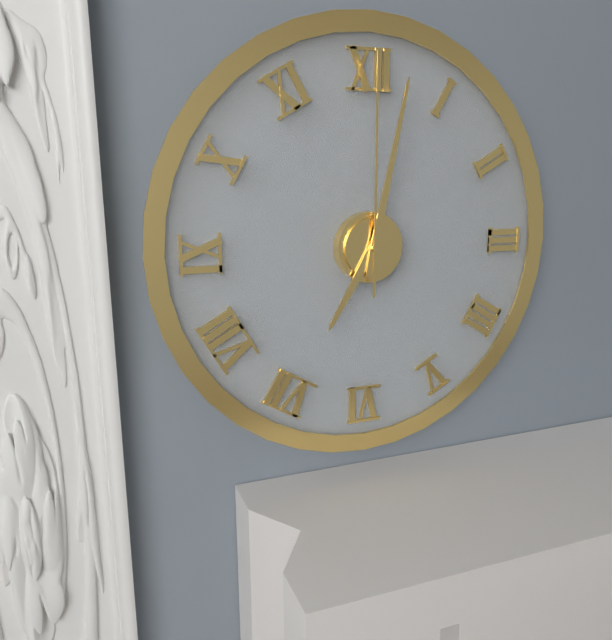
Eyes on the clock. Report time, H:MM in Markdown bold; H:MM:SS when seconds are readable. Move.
**7:02:00**
